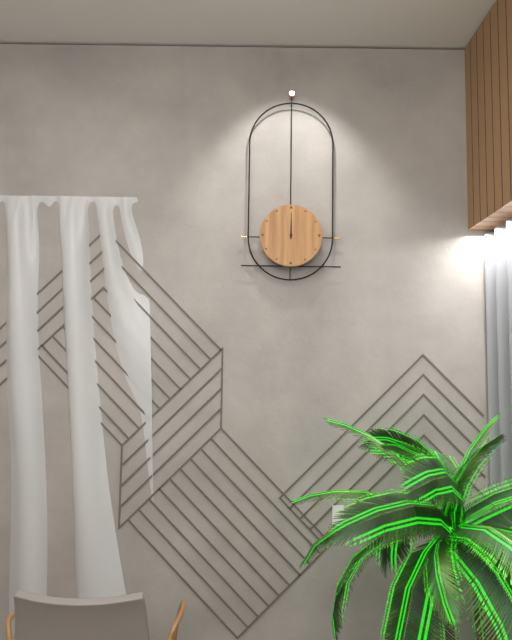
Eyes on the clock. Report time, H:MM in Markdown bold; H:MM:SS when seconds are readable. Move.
**12:00**
